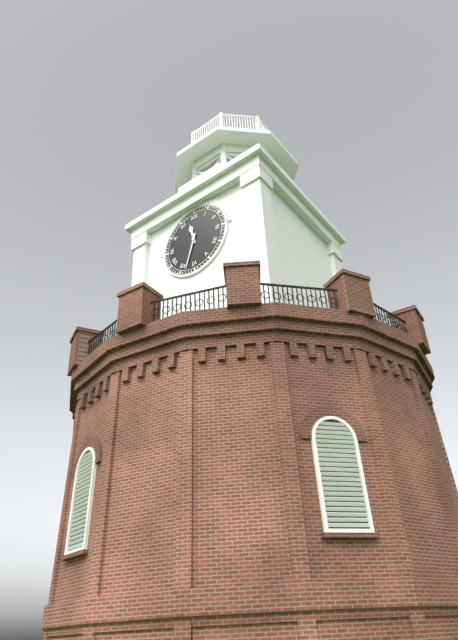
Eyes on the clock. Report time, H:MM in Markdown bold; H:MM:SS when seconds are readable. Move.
**11:33**
